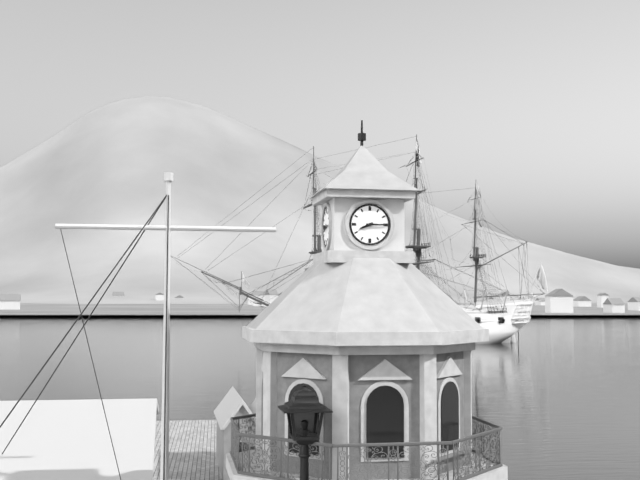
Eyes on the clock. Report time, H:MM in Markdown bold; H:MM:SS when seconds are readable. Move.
**8:15**
